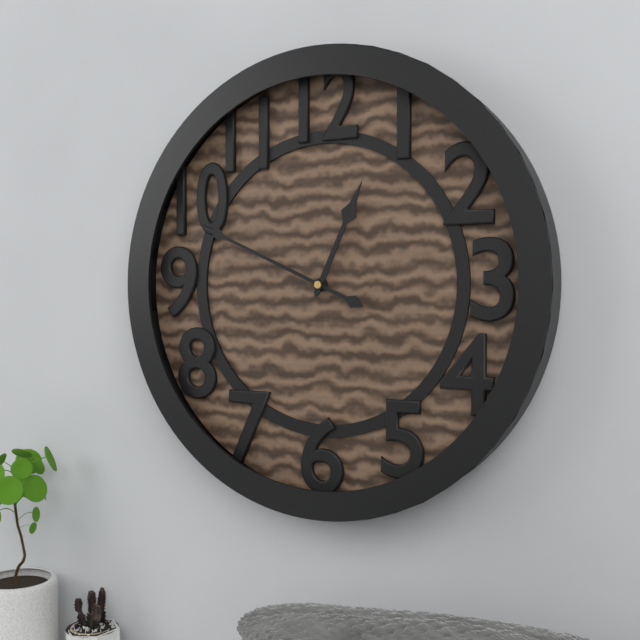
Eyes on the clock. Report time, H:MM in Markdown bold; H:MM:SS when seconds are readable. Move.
**12:49**
